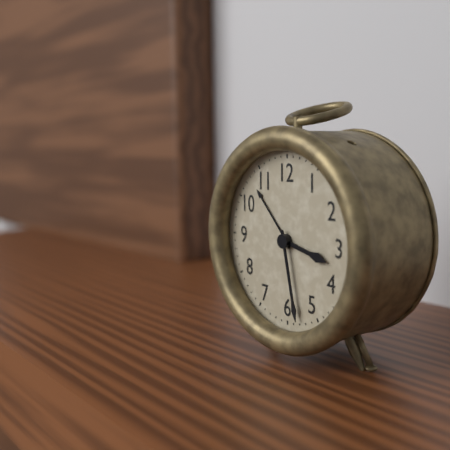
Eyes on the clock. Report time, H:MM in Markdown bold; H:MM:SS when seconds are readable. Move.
**3:28**
